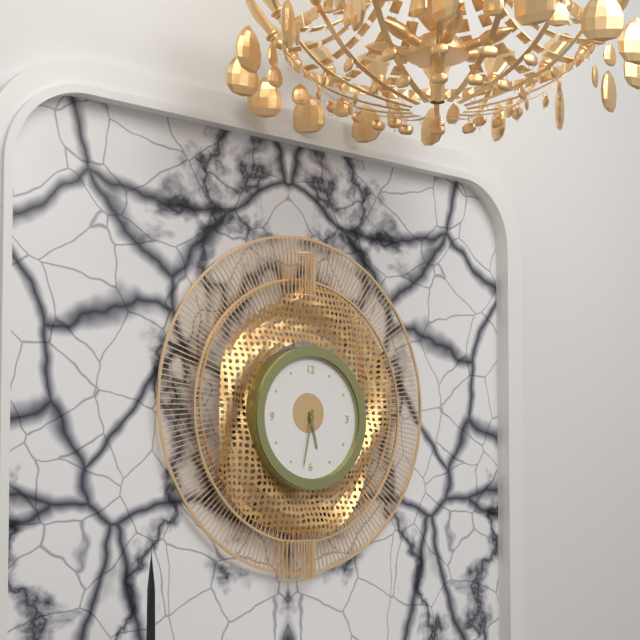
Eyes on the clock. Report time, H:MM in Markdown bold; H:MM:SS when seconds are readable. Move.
**5:32**
